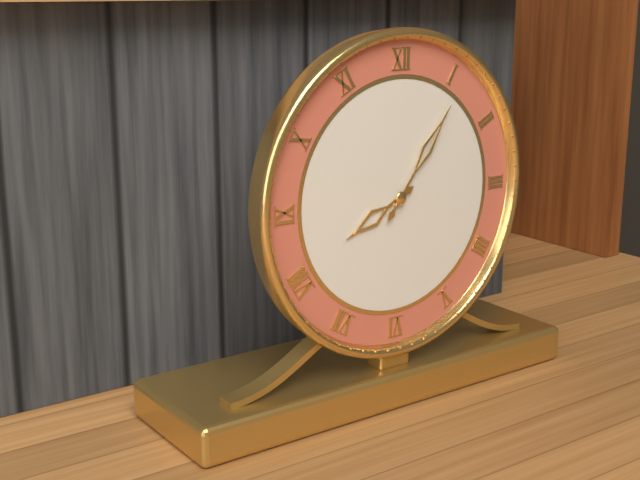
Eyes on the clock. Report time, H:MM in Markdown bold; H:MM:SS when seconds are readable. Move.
**8:06**
